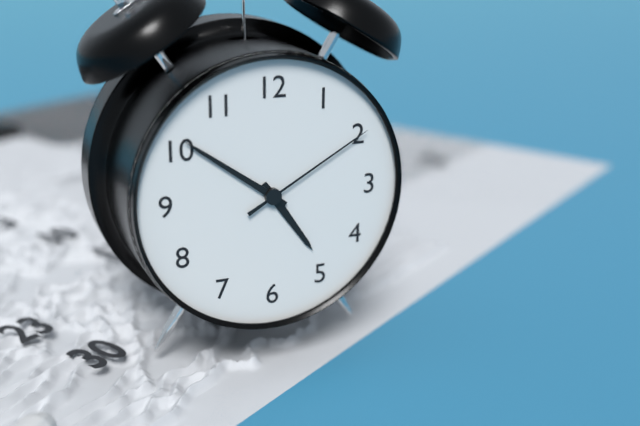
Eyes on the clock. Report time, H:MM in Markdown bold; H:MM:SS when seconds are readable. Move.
**4:51:10**
